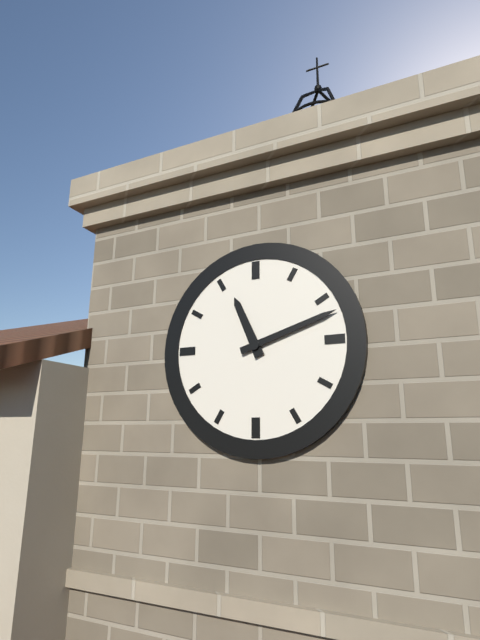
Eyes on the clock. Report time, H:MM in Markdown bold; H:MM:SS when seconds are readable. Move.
**11:12**
